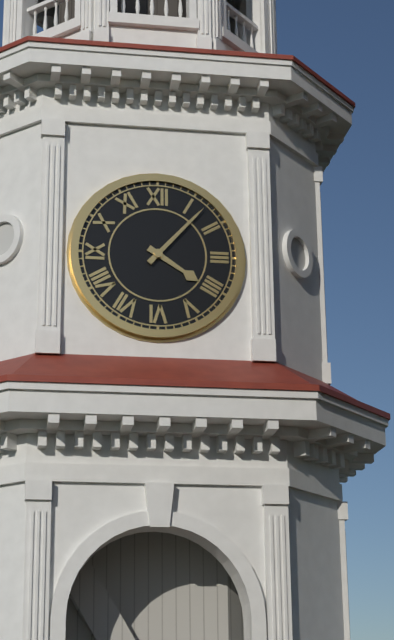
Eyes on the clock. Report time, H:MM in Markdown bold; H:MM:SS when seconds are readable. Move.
**4:07**
